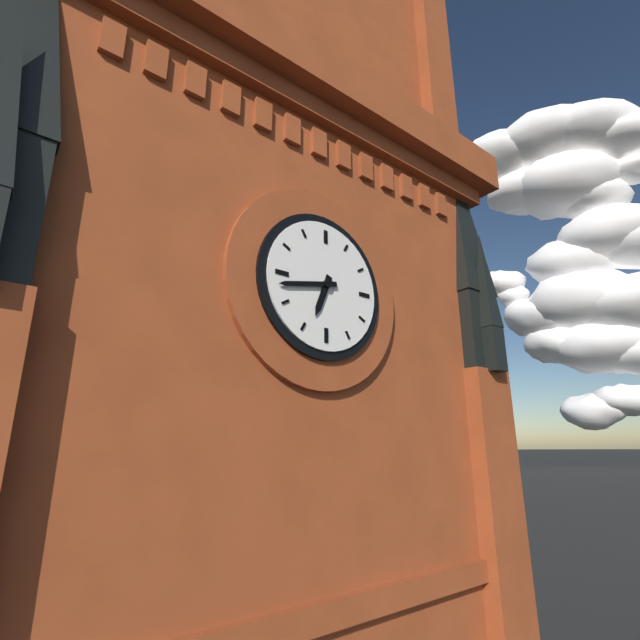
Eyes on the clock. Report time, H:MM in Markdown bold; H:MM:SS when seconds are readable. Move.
**6:43**
